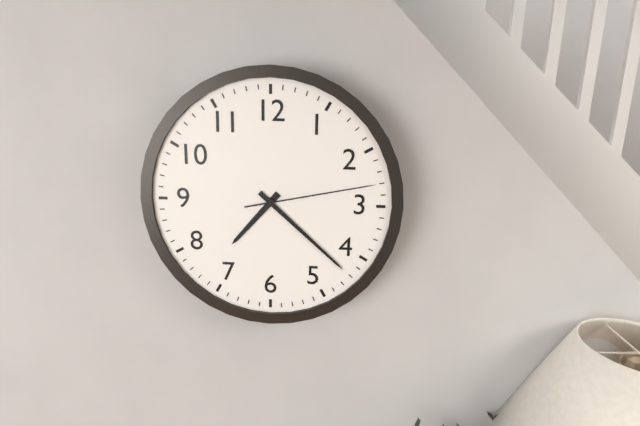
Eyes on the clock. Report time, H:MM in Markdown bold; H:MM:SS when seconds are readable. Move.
**7:22:13**
